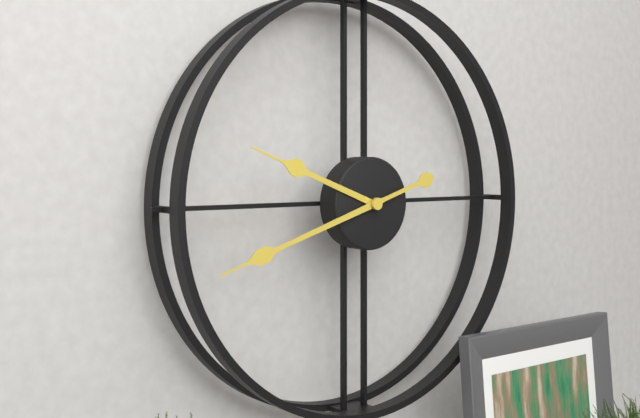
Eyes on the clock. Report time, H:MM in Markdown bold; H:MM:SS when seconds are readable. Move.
**9:42**
